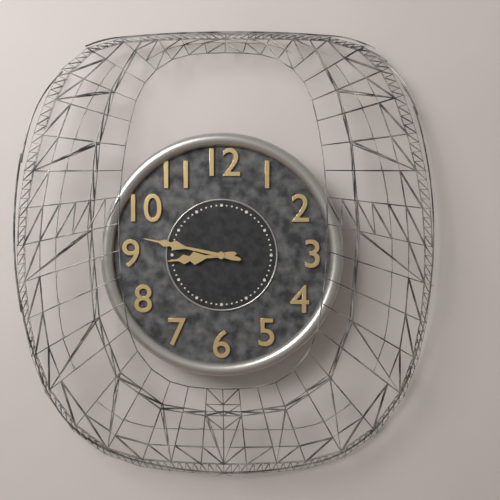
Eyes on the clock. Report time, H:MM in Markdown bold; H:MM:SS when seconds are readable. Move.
**8:47**
